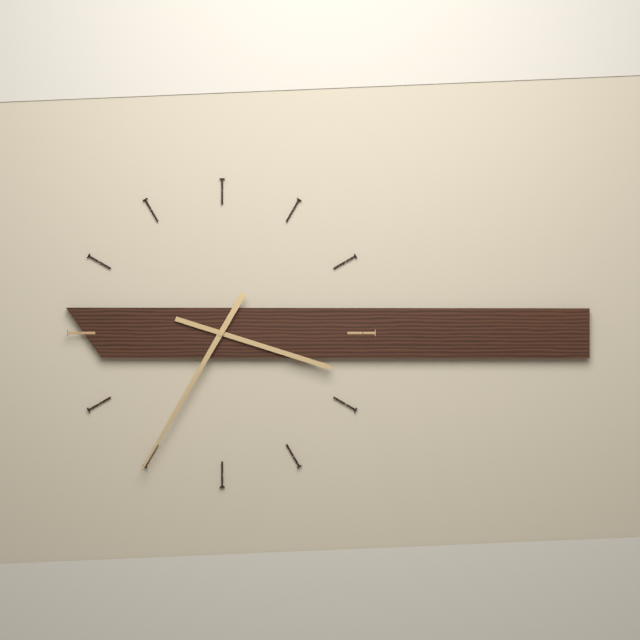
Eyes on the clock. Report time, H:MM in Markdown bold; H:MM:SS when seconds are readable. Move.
**3:35**
